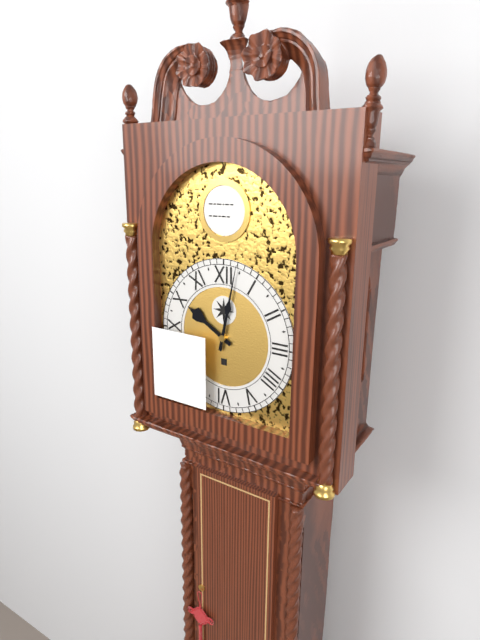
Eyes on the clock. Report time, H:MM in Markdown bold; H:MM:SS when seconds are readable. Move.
**10:02**
